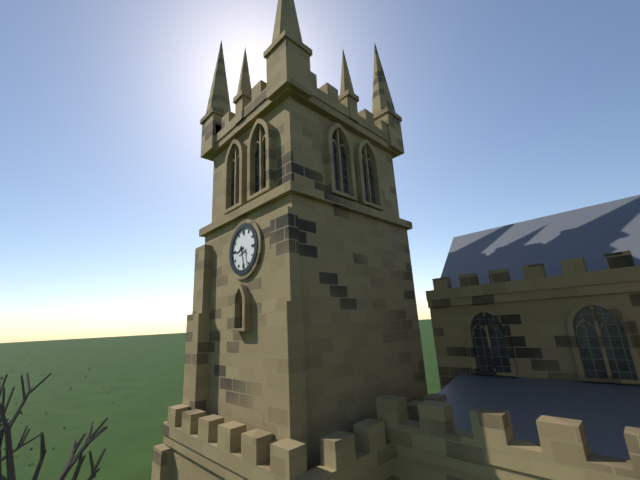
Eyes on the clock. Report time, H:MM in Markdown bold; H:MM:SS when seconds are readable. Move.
**8:28**
